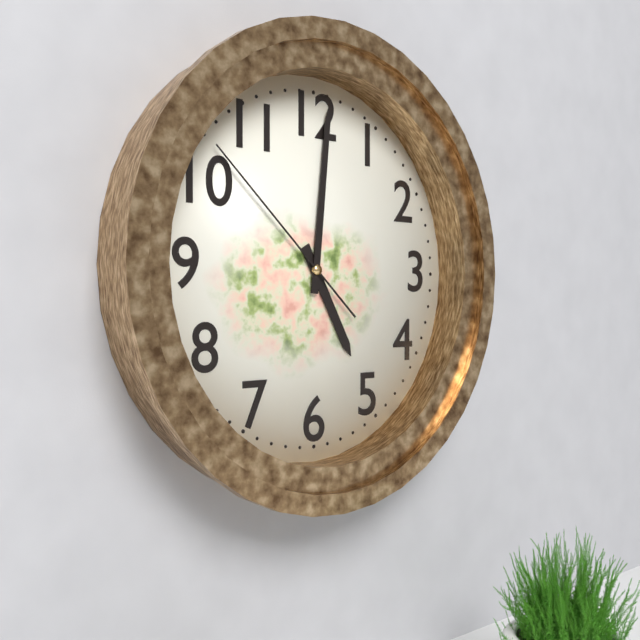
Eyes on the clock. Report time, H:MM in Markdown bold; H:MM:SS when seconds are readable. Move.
**5:01:52**
